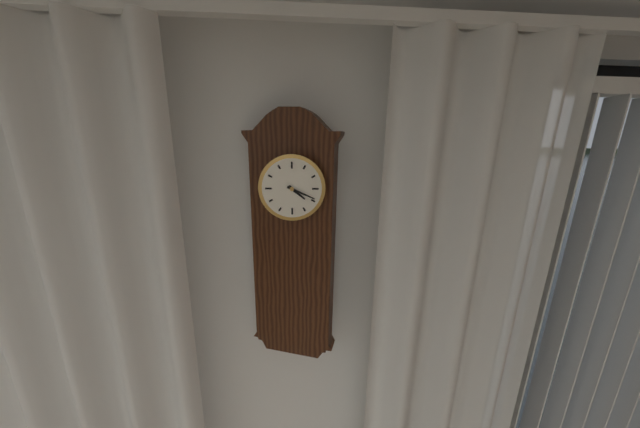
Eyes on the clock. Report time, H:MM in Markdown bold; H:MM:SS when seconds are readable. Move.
**4:19**
